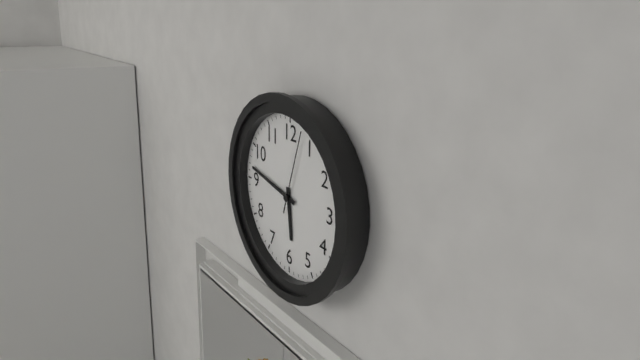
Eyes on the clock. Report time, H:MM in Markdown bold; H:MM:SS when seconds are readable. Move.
**5:47:03**
